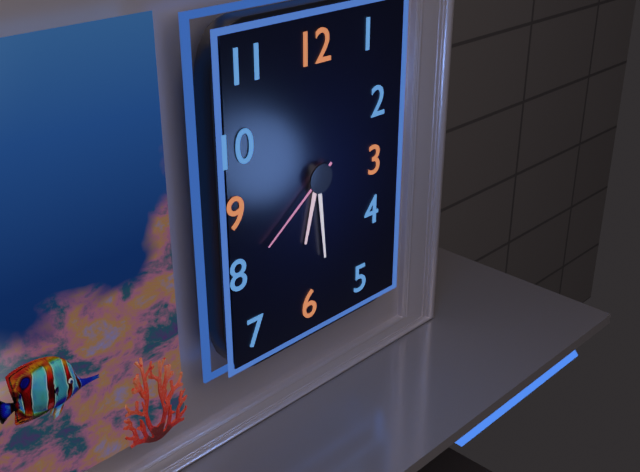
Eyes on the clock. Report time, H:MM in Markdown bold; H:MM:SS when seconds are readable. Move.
**6:29:39**
